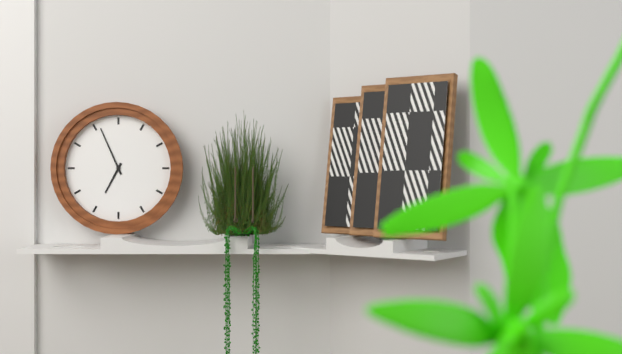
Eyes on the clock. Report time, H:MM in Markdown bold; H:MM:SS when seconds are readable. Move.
**6:56**
